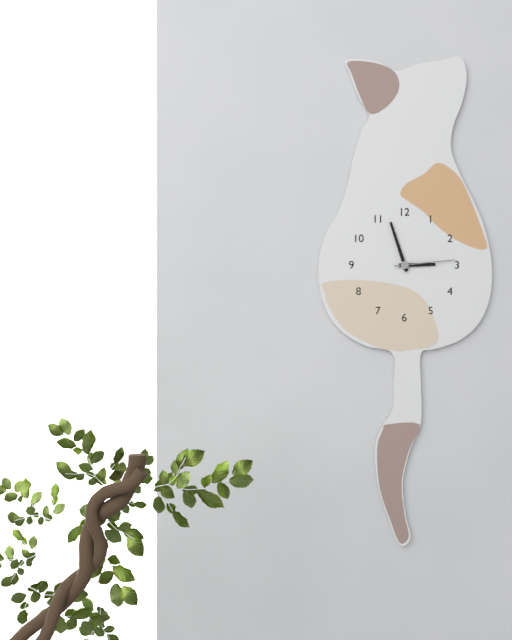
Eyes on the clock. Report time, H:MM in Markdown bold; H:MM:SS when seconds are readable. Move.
**2:57:14**
